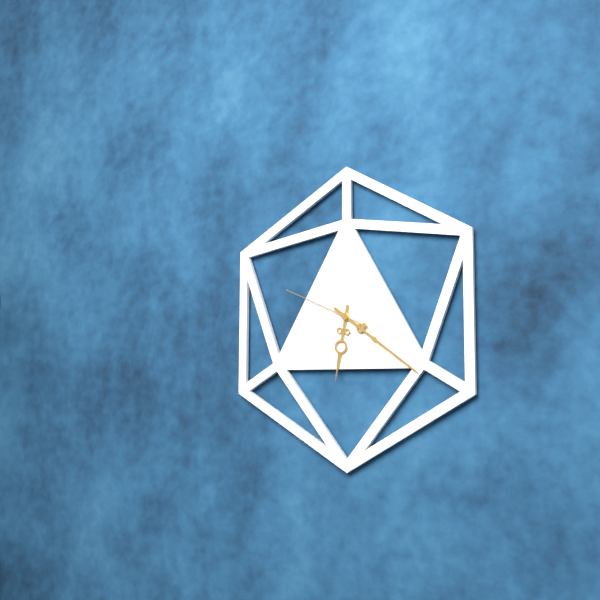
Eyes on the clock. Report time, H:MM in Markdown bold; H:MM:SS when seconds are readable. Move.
**6:21:49**
